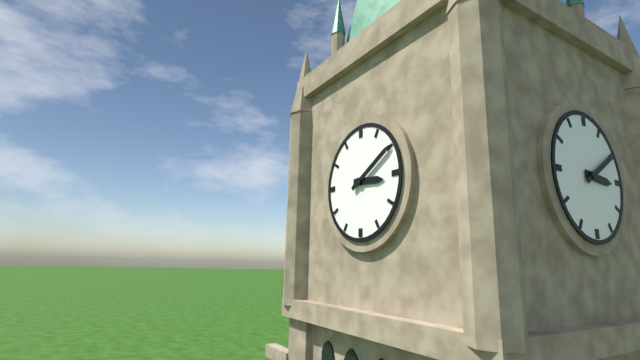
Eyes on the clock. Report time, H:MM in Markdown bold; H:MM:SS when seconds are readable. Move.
**3:10**
